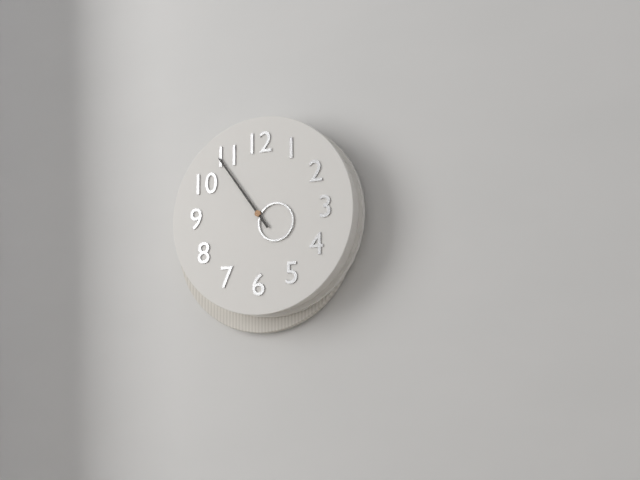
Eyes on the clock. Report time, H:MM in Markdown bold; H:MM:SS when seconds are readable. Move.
**3:54**
